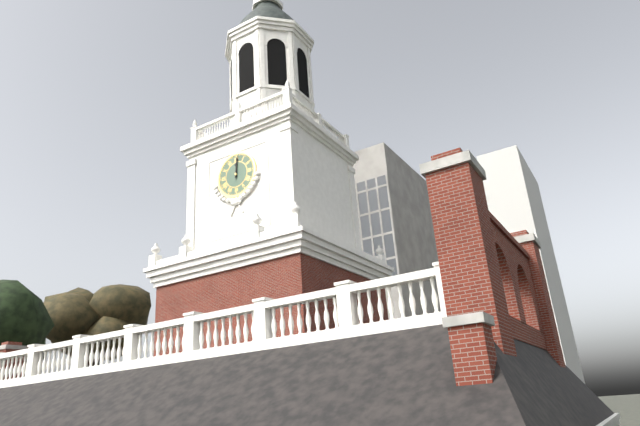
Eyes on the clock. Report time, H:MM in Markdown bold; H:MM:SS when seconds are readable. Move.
**12:01**
